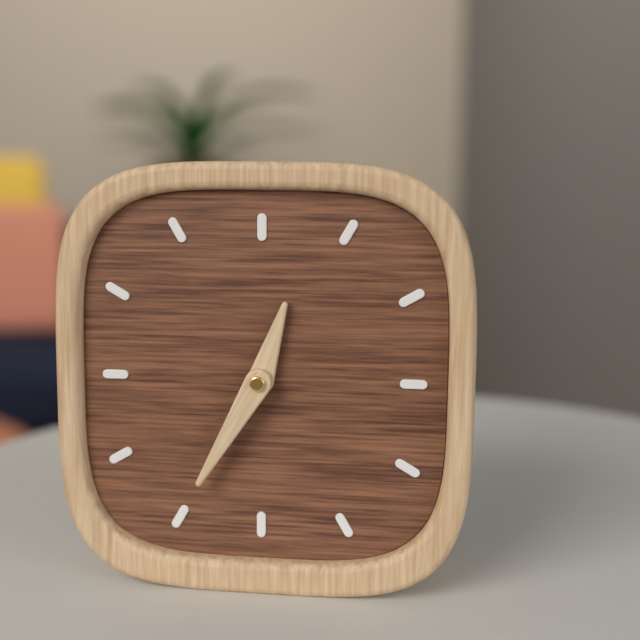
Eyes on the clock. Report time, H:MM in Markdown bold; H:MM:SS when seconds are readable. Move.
**12:35**
